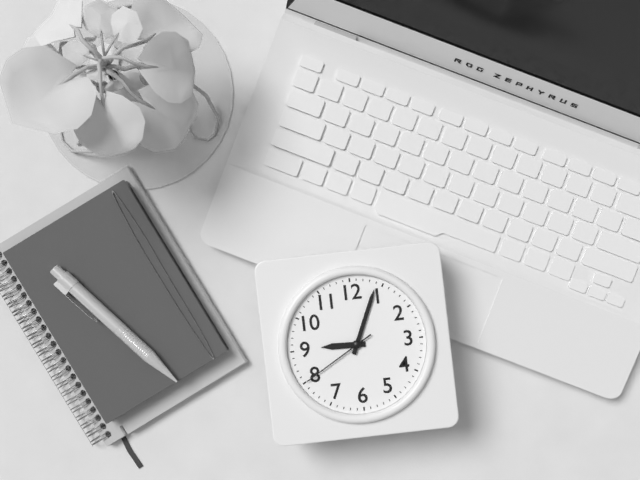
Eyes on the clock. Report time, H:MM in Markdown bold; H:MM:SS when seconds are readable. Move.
**9:04:40**
